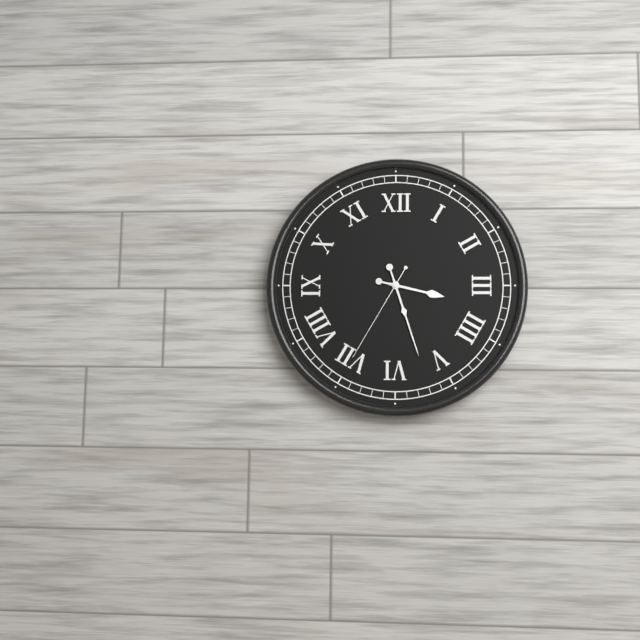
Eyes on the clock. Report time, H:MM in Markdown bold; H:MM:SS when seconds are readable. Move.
**3:27:35**
